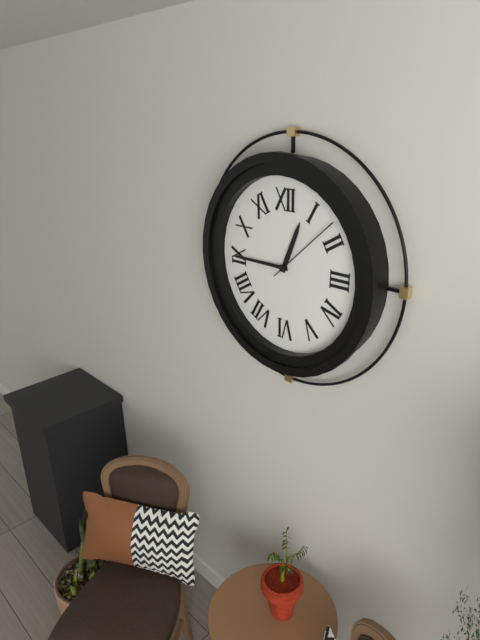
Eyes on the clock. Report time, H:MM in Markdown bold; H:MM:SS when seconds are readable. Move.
**12:45:08**
